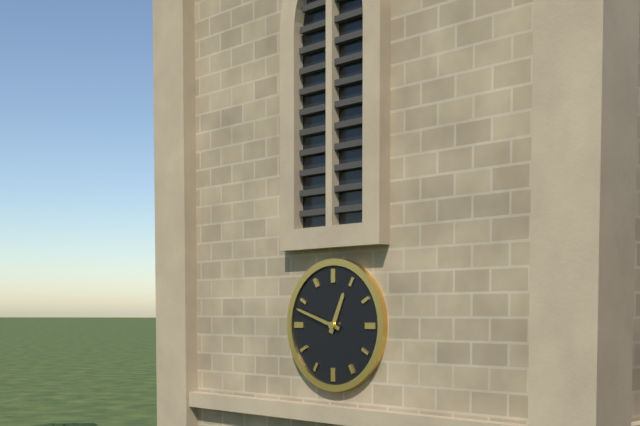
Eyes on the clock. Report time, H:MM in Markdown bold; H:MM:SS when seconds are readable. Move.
**12:48**
